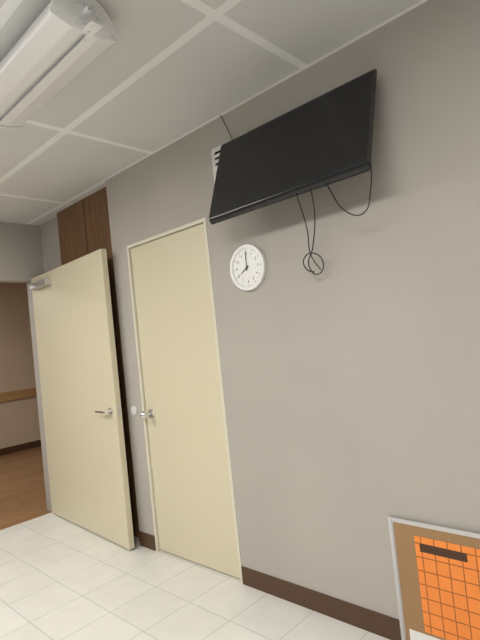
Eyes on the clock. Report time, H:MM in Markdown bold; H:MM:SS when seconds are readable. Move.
**8:00**
